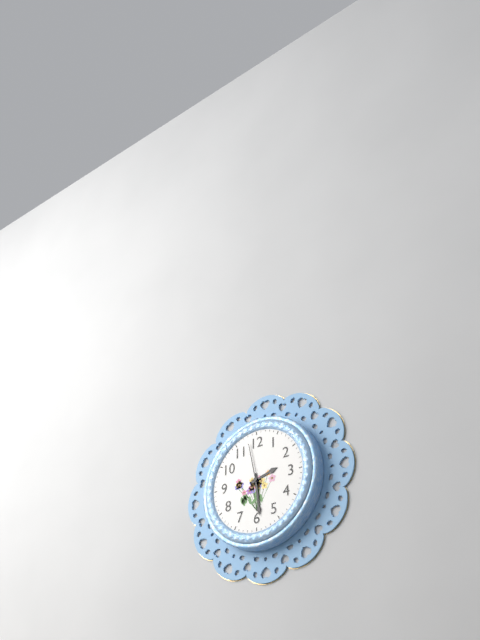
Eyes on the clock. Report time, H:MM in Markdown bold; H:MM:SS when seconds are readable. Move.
**2:29**
